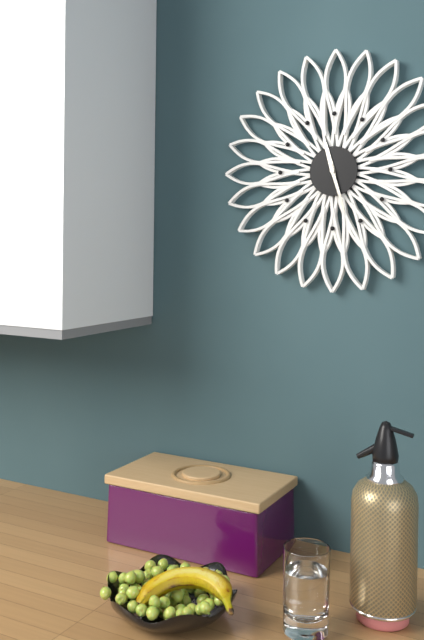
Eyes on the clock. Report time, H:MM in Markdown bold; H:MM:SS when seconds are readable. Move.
**11:27**
